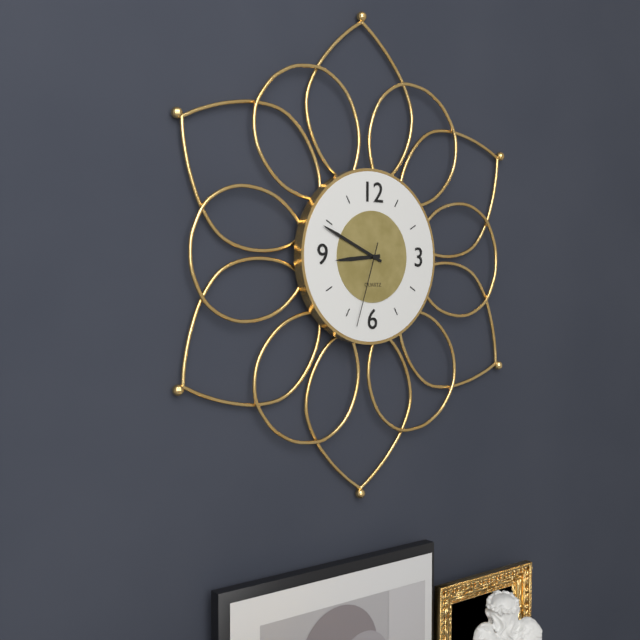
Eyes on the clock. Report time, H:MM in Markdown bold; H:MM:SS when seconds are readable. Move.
**8:49:33**
